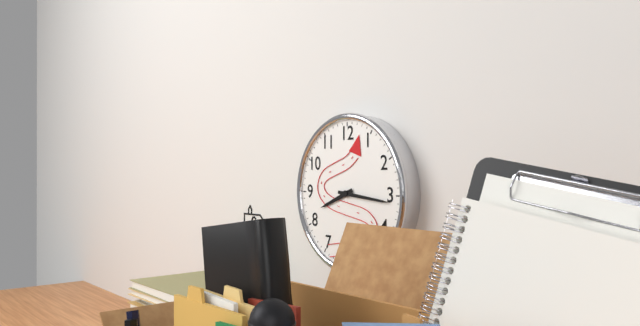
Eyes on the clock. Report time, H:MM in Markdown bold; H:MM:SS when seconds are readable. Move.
**8:16**
